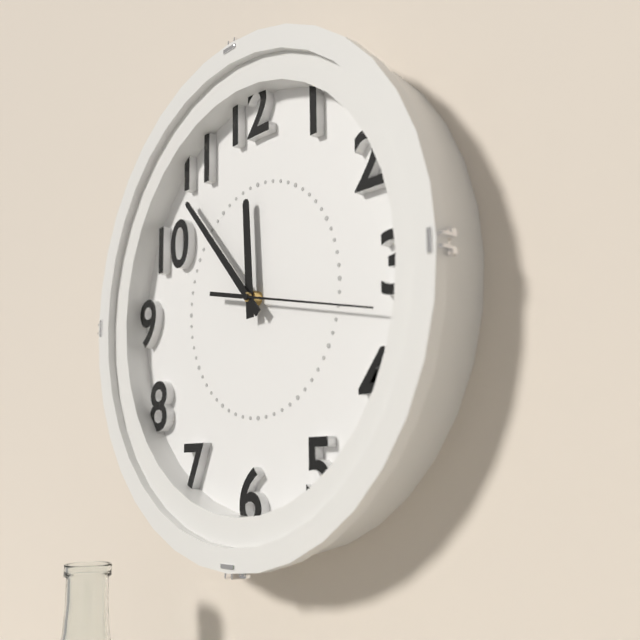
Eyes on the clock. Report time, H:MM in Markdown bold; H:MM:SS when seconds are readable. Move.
**11:53:17**
